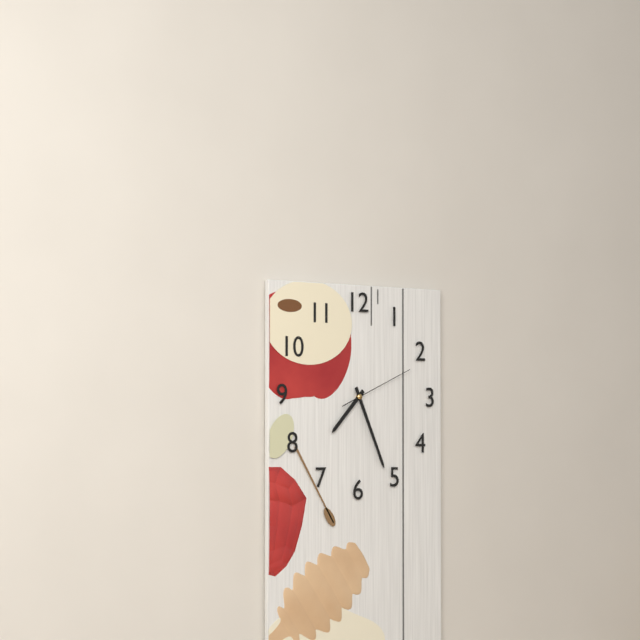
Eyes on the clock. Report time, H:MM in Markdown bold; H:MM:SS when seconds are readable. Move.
**7:26:11**
